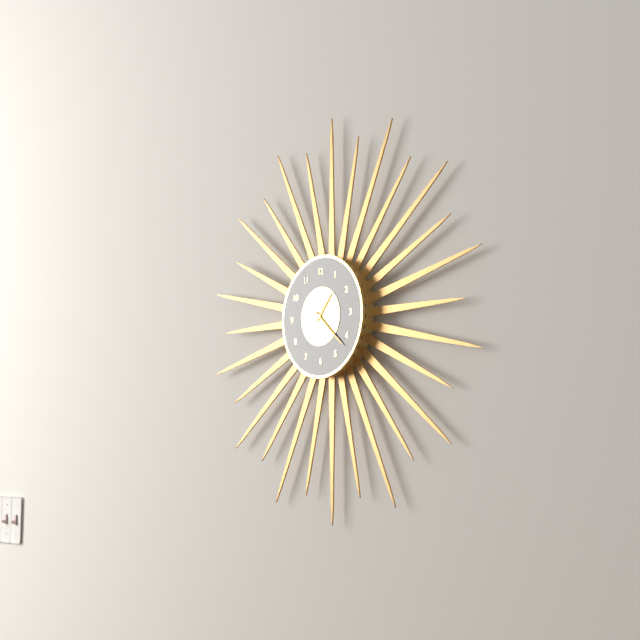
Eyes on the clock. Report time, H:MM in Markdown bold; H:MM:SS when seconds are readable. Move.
**1:22**
